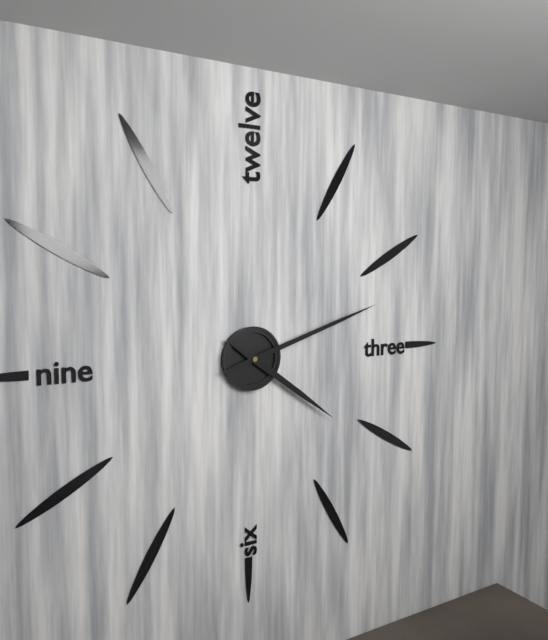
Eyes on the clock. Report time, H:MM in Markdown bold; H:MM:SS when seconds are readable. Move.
**4:12**
